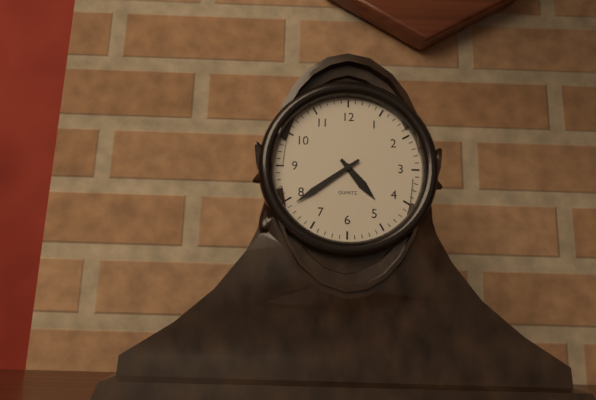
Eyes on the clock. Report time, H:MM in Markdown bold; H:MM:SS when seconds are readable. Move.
**4:39**
